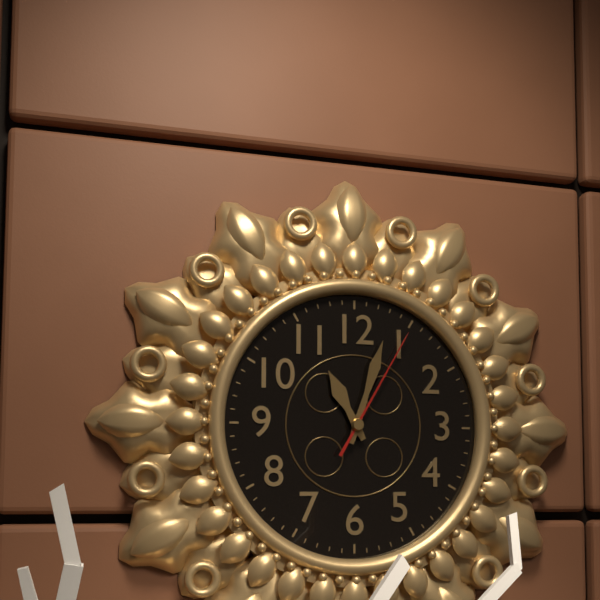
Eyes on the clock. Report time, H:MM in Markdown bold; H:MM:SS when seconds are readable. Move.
**11:03:05**
